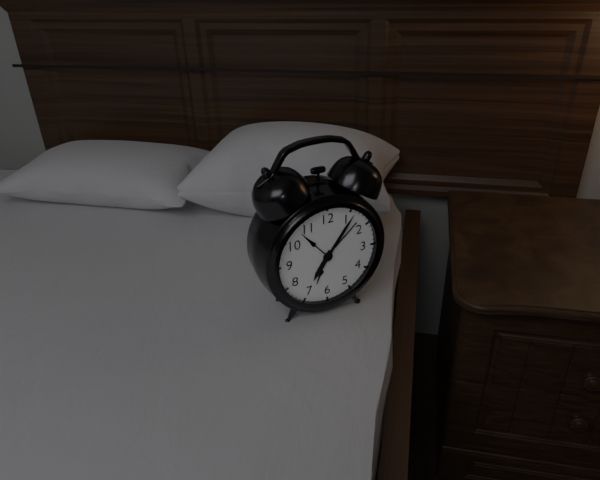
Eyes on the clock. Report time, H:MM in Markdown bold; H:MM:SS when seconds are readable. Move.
**7:06**
